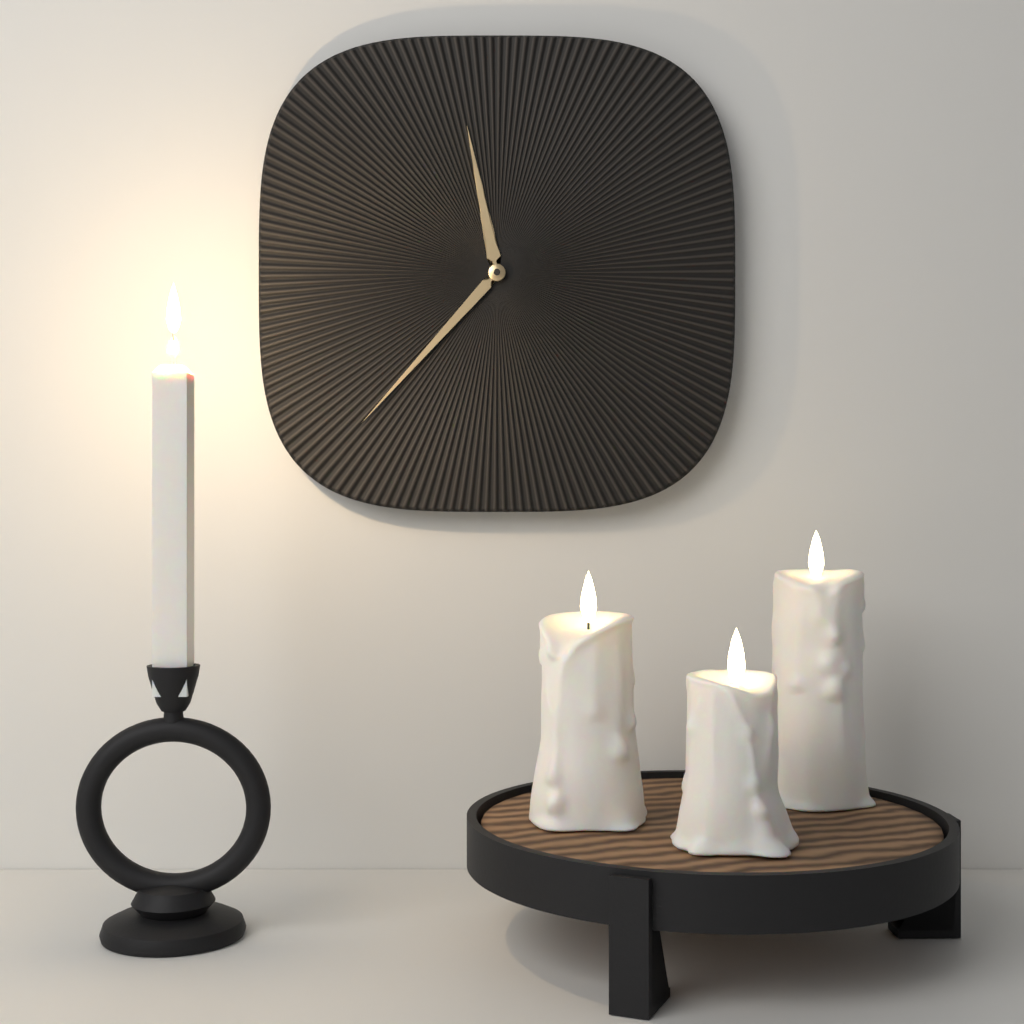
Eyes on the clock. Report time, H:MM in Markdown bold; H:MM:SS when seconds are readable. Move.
**11:37**
